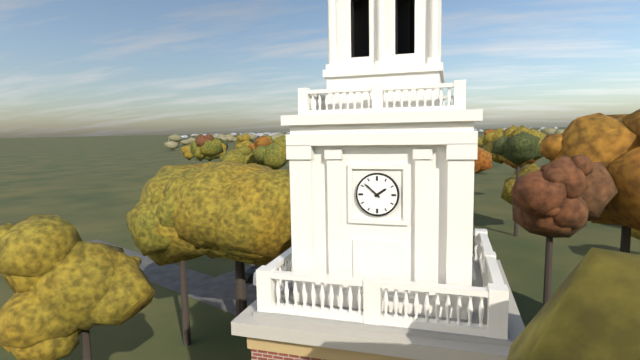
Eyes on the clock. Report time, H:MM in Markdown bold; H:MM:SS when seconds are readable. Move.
**1:52**
